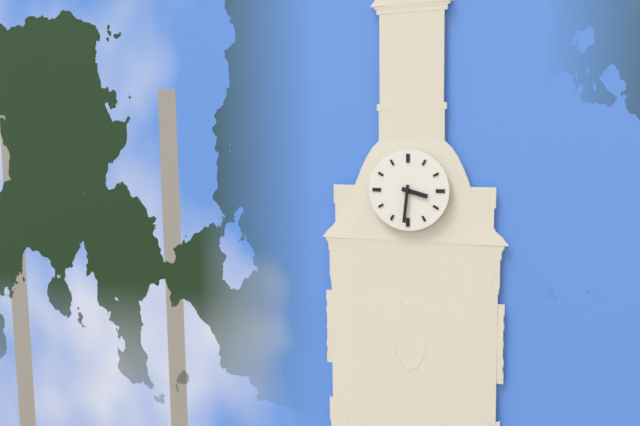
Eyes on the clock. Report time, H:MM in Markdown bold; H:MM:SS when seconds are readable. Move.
**3:31**
